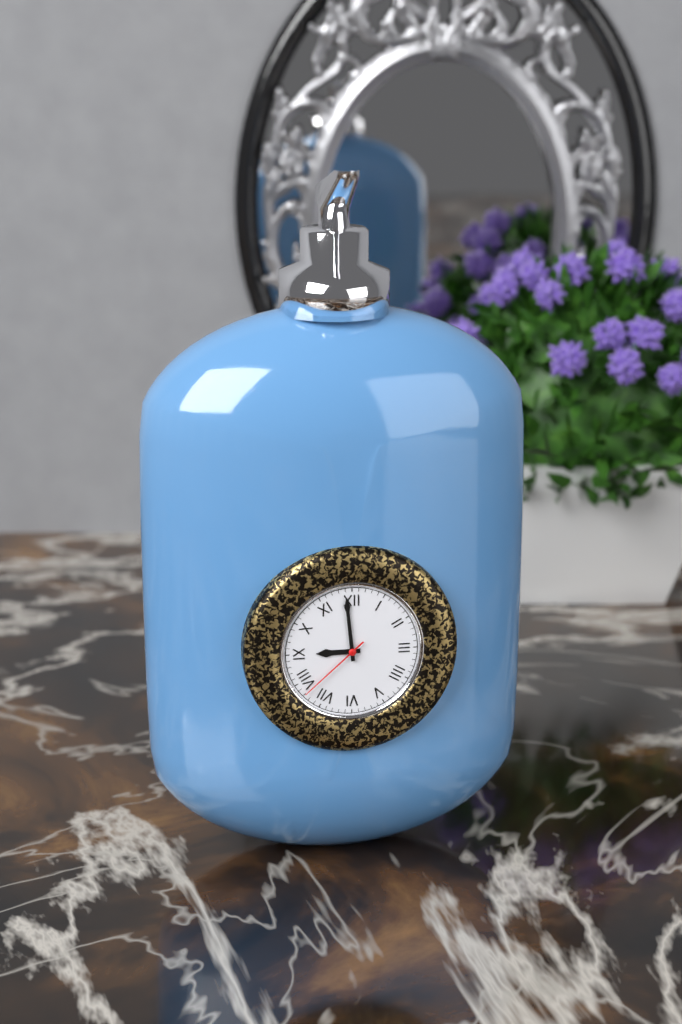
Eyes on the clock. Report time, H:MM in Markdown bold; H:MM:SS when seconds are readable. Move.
**8:59:38**
